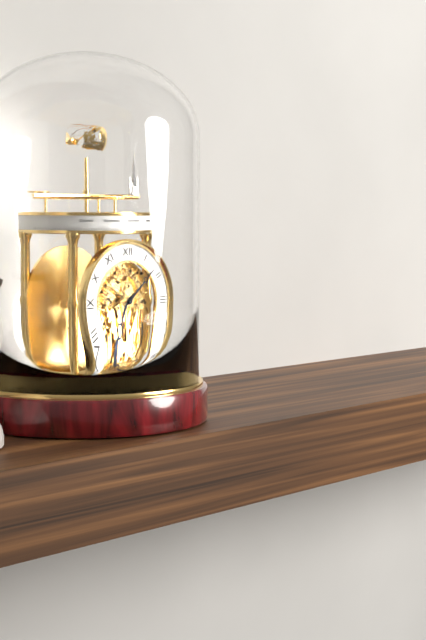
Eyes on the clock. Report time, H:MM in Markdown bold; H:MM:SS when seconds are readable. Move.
**7:08**
